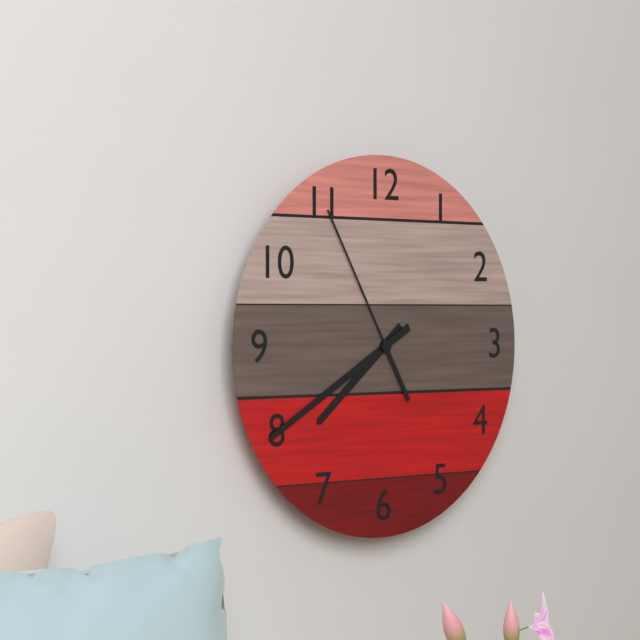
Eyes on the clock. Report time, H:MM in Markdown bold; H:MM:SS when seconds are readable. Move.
**7:40:55**
